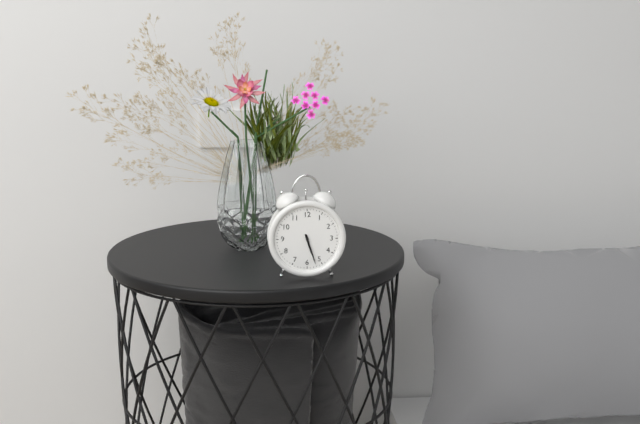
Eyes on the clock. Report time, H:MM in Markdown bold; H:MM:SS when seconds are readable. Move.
**5:27**
